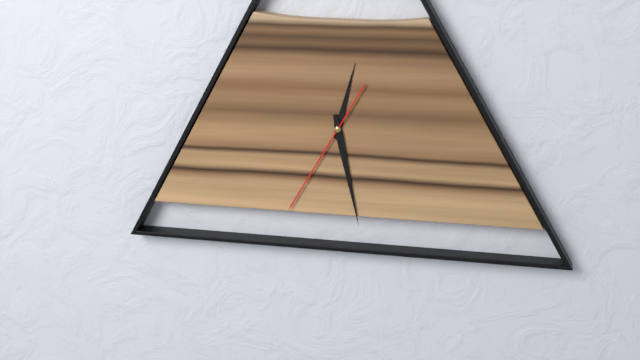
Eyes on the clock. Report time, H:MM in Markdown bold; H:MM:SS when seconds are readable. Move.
**12:28:35**
